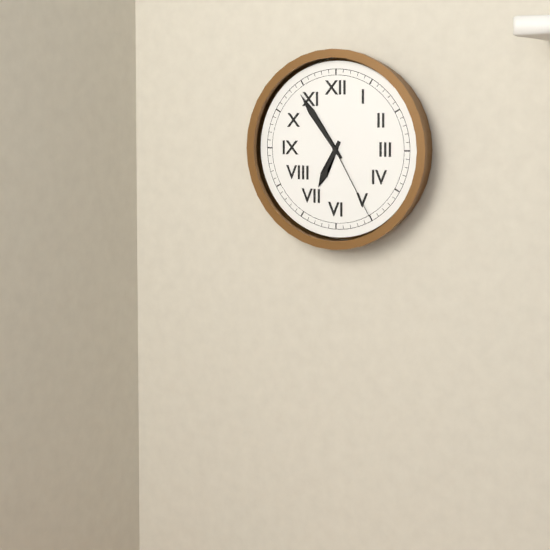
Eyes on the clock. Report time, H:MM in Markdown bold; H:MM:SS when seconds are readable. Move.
**6:54:25**
